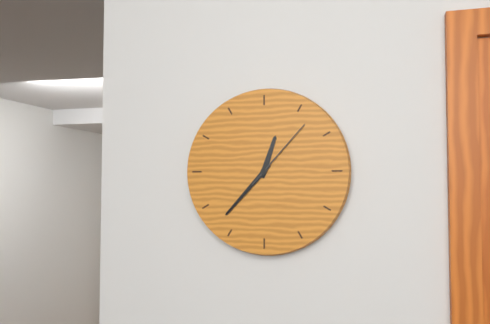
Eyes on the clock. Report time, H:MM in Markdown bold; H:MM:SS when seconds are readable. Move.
**12:37:07**
